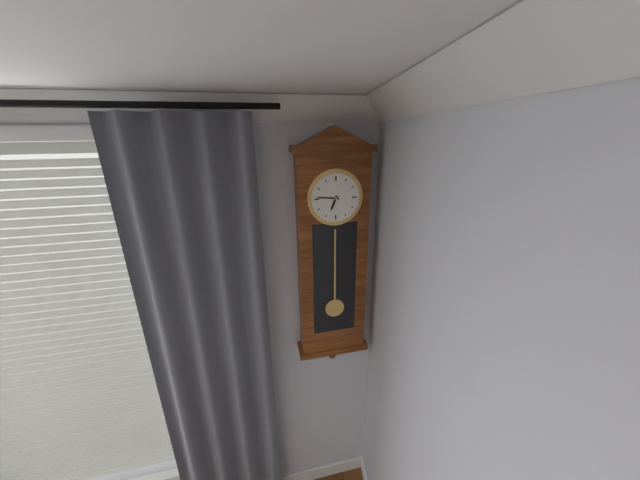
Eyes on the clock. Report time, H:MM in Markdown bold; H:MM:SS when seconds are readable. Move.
**6:46**
